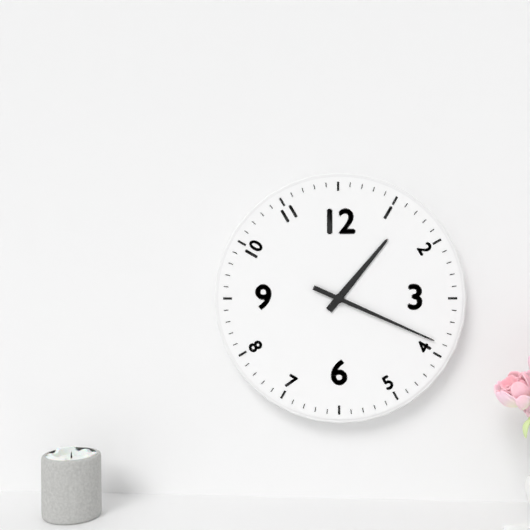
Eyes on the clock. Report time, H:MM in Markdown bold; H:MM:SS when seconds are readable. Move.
**1:19**
